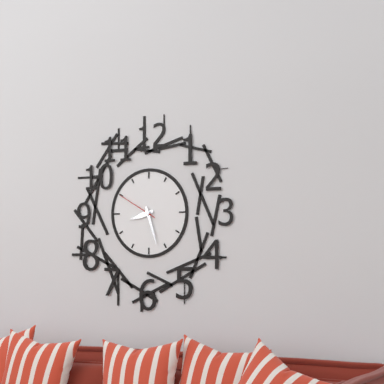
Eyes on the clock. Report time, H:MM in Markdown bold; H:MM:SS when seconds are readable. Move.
**8:27**
